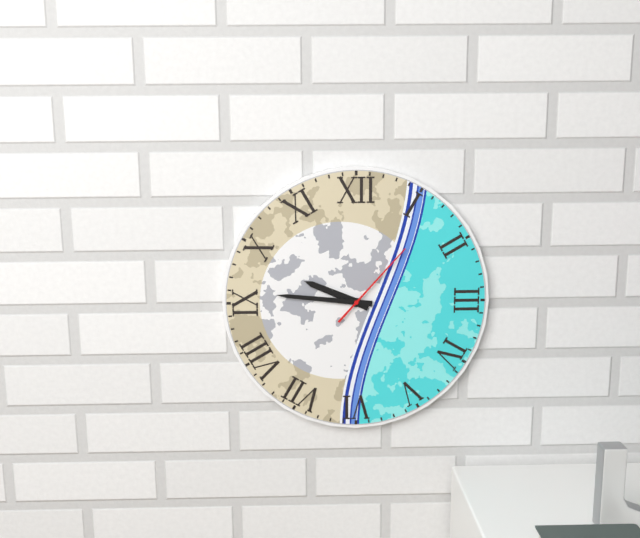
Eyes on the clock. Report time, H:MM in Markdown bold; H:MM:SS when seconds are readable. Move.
**9:46:07**
